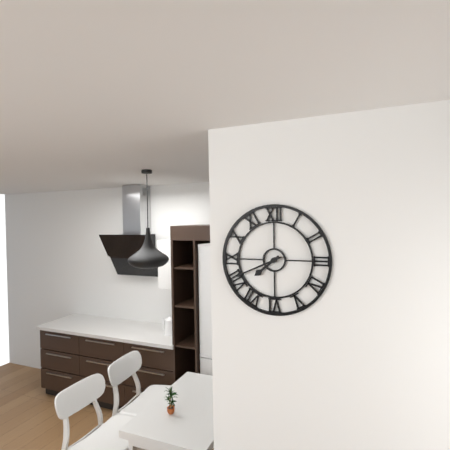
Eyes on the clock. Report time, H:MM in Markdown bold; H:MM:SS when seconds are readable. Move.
**7:41**
